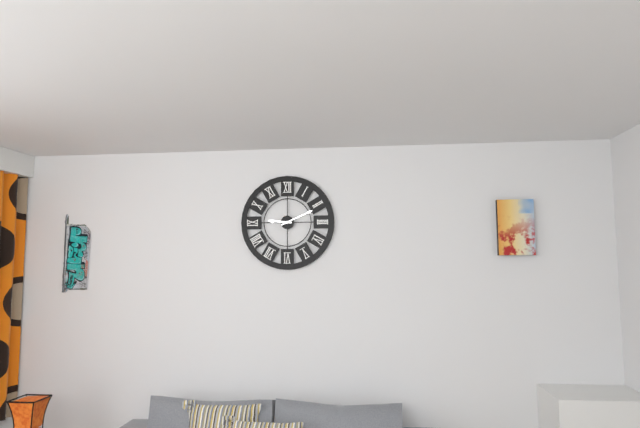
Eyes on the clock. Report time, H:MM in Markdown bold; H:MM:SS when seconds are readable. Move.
**9:11**
